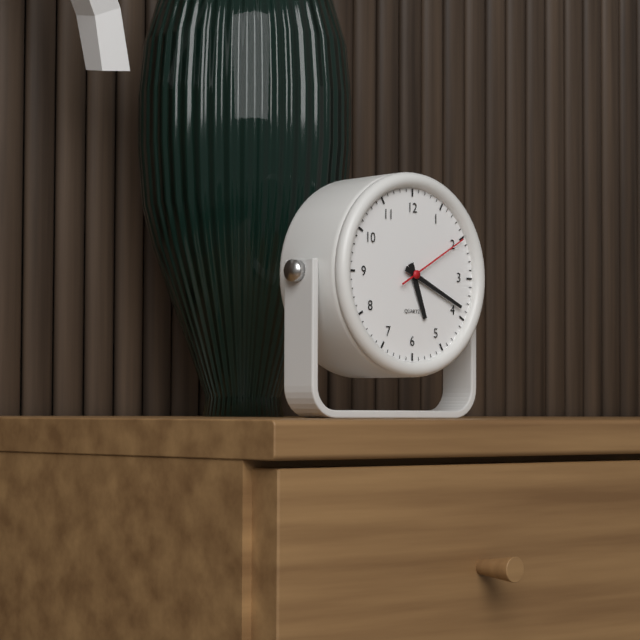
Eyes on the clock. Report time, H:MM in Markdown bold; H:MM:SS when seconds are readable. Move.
**5:19:10**
